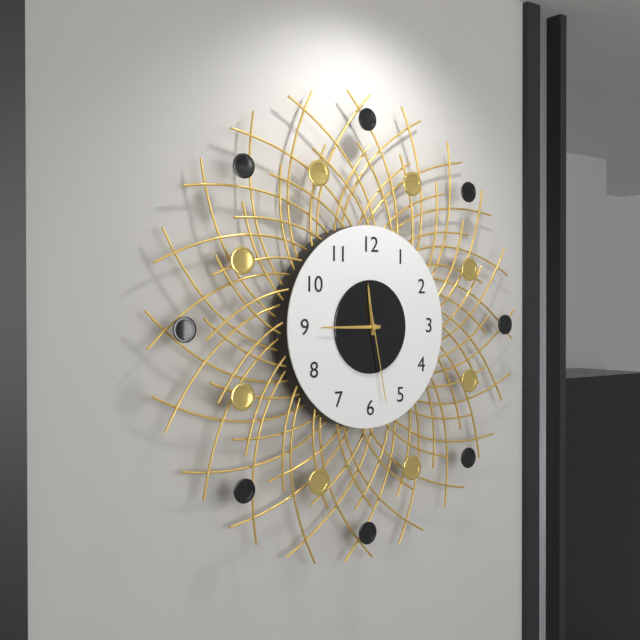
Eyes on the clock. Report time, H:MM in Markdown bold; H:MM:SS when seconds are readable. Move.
**11:45:28**
